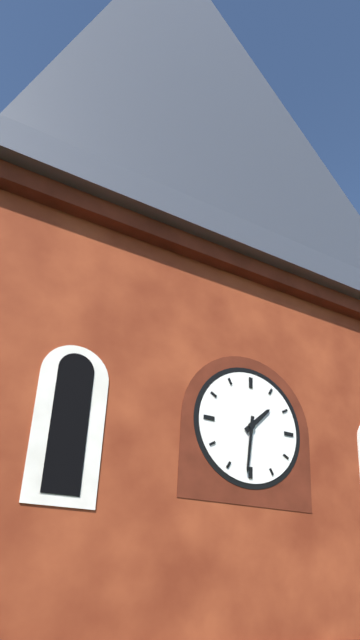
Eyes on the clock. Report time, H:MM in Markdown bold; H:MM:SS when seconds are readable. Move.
**1:31**
